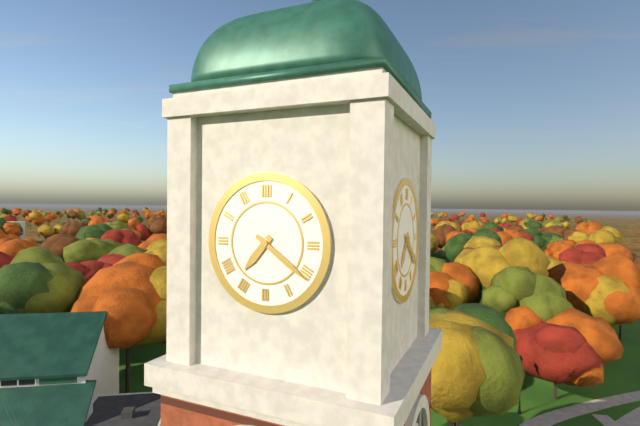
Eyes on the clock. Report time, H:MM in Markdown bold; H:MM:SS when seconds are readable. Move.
**7:21**
